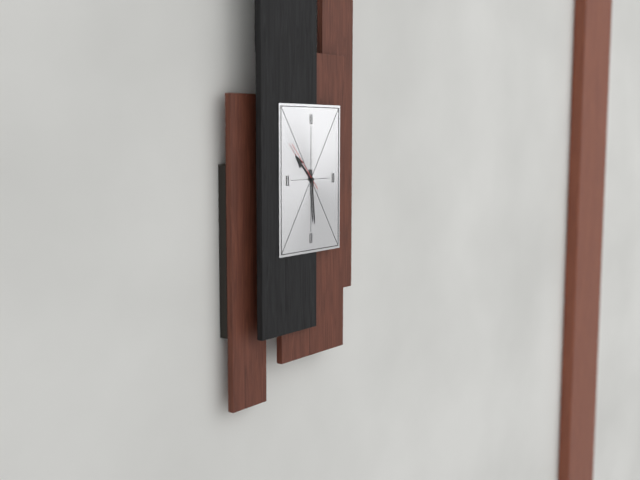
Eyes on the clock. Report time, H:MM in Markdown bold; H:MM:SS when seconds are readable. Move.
**10:29**
